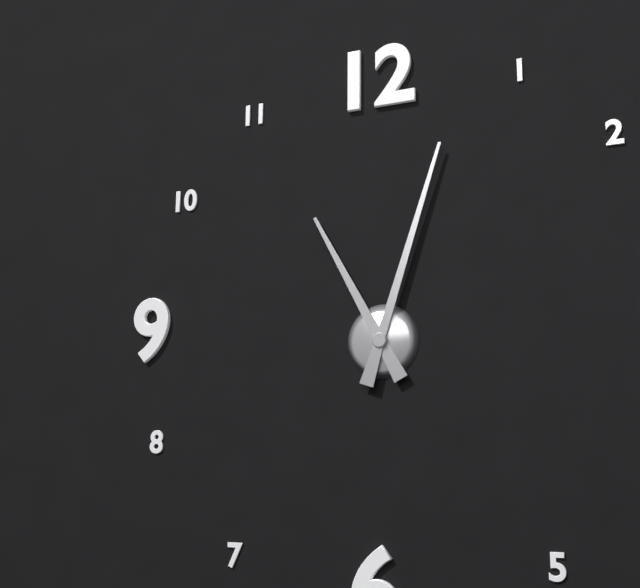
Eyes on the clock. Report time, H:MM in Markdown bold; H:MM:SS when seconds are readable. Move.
**11:03**
